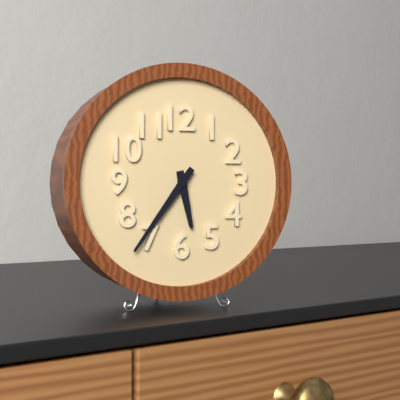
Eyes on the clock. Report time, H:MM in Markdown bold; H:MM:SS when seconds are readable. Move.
**5:36**
